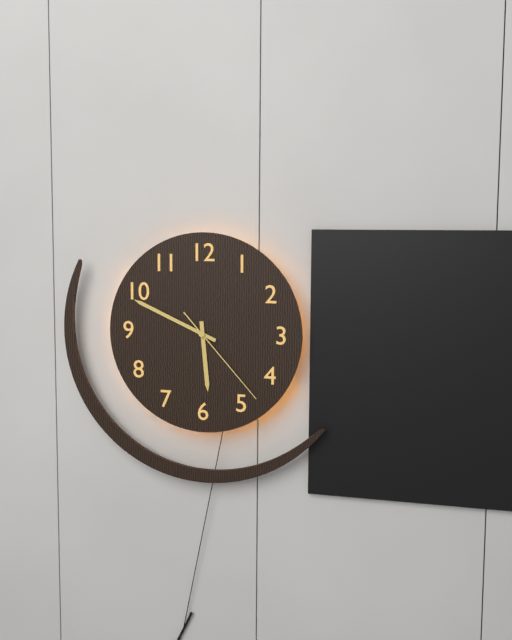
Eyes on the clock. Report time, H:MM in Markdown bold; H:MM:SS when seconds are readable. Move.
**5:49:23**
